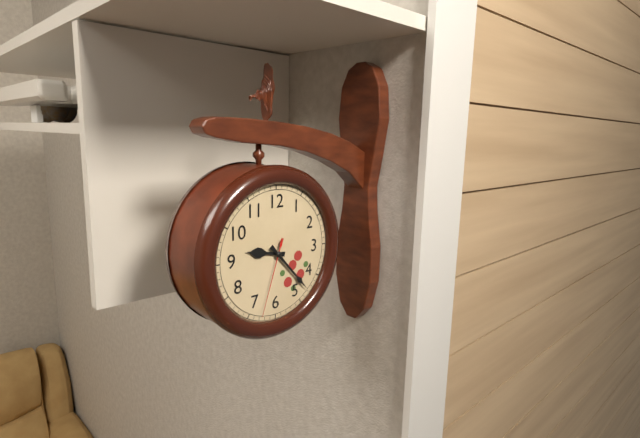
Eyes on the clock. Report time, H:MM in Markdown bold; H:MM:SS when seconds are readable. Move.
**9:23:33**
